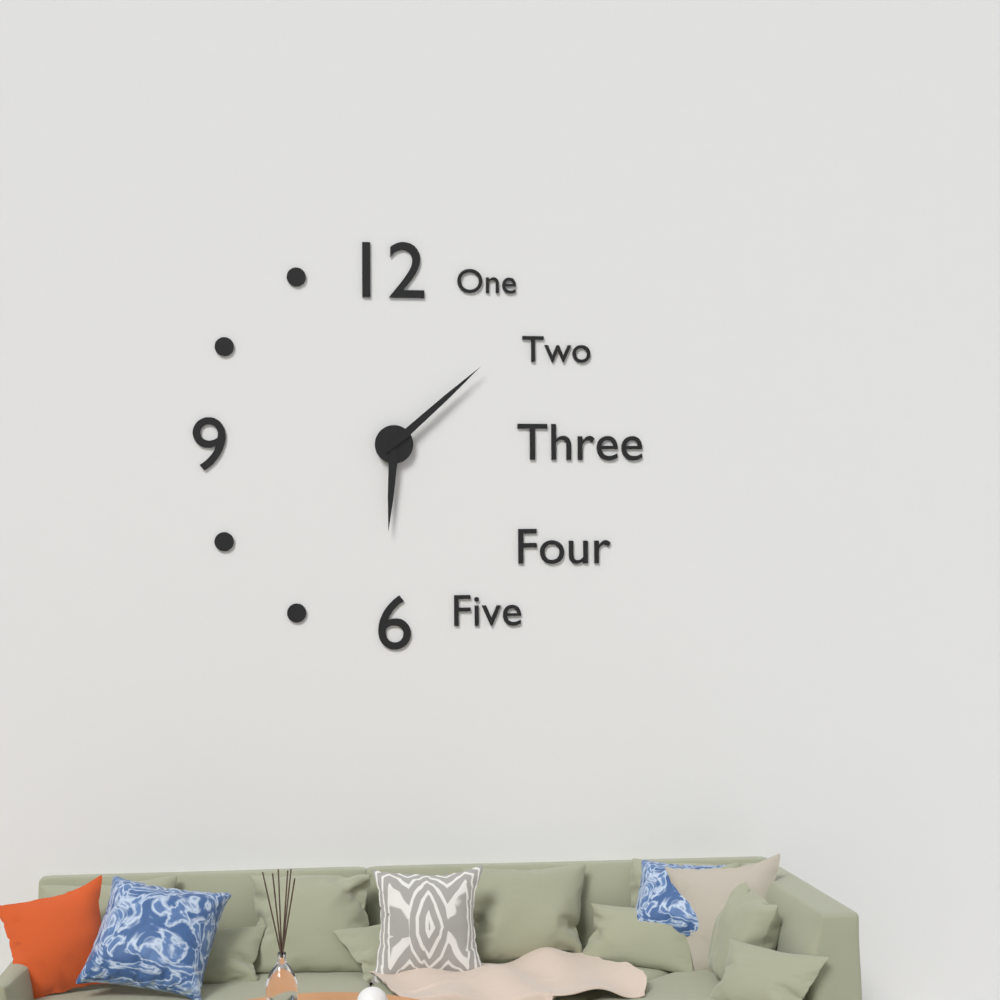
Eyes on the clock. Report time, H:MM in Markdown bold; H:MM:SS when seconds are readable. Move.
**6:08**
